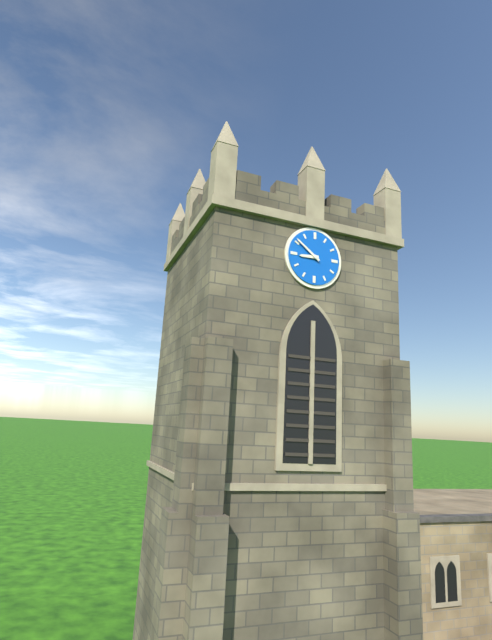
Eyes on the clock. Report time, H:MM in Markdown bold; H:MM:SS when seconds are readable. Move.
**8:51**
